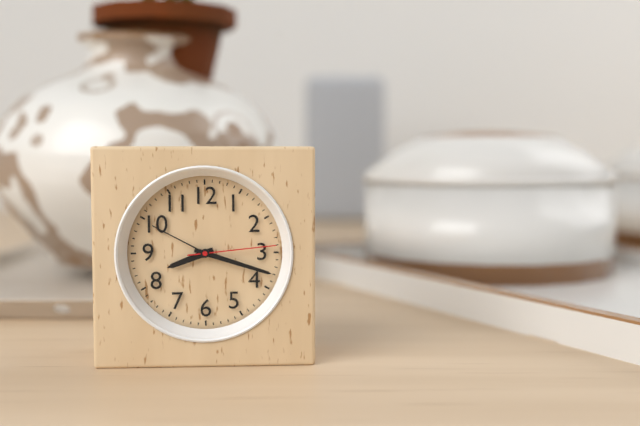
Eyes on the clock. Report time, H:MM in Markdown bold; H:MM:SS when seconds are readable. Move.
**8:18:14**
